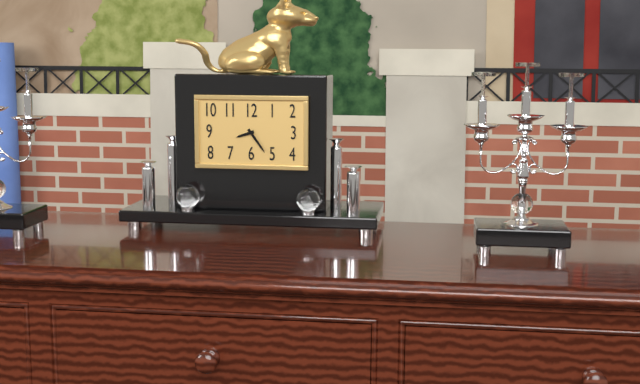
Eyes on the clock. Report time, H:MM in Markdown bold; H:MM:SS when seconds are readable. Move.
**8:24**
